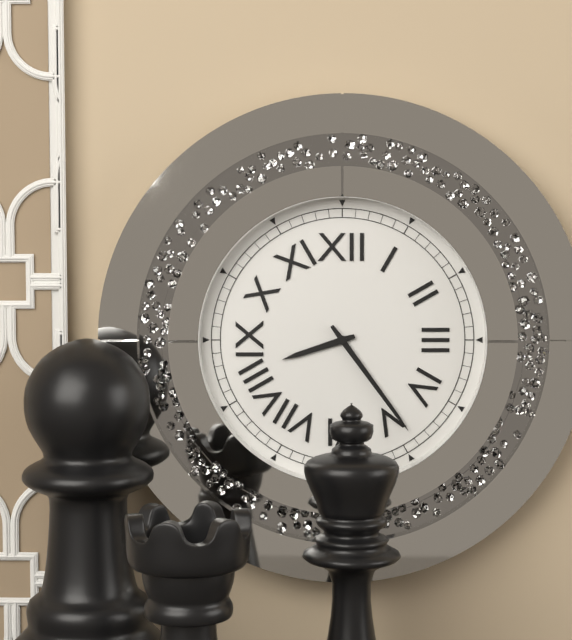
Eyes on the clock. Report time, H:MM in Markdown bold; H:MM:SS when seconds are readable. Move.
**8:24**
